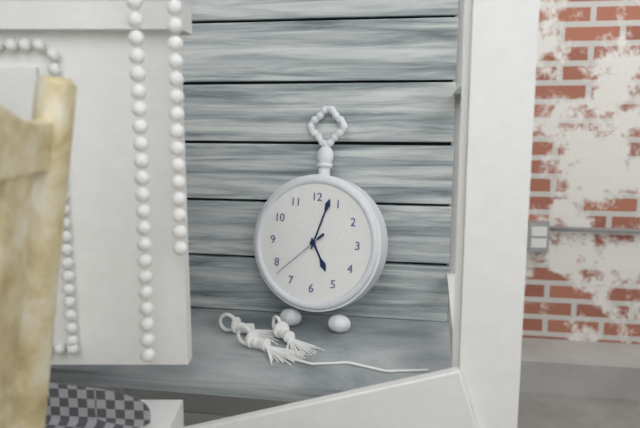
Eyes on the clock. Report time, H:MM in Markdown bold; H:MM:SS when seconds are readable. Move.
**5:03:38**
